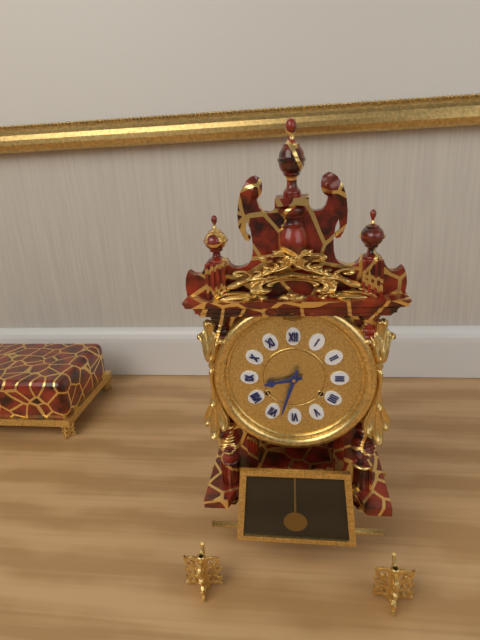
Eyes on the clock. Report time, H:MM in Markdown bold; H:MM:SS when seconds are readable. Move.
**8:33**
